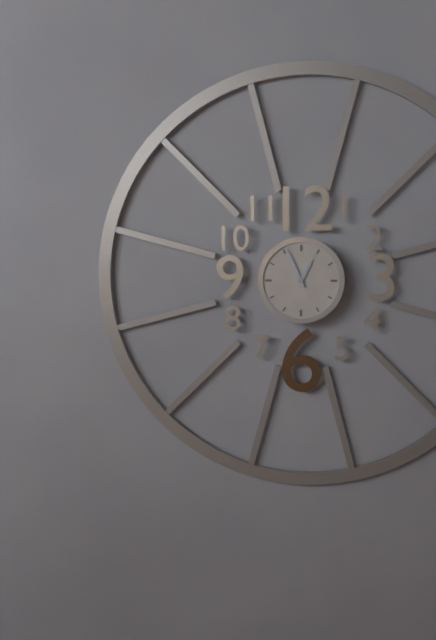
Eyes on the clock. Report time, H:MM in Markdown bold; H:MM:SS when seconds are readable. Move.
**12:56**
